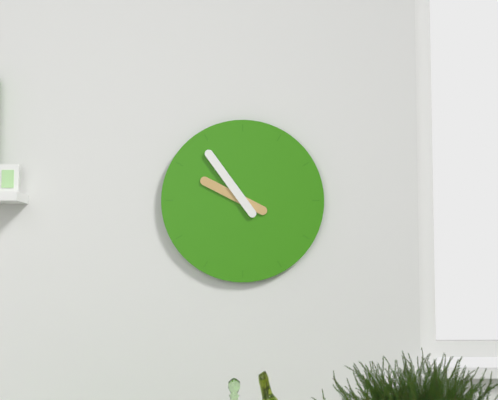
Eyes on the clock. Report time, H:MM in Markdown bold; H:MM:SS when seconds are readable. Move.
**9:54**
